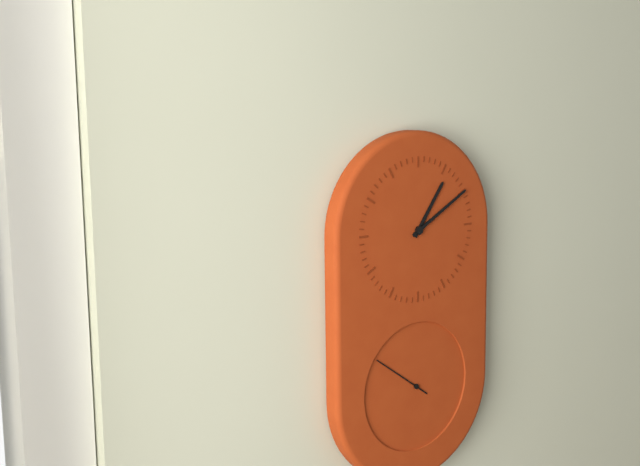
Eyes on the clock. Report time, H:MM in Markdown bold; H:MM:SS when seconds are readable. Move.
**1:10**
